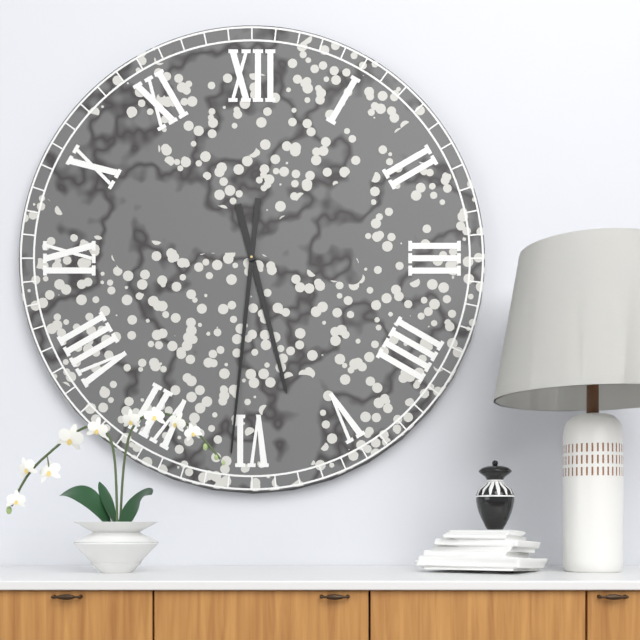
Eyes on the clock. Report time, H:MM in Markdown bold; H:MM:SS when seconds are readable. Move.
**5:31**
